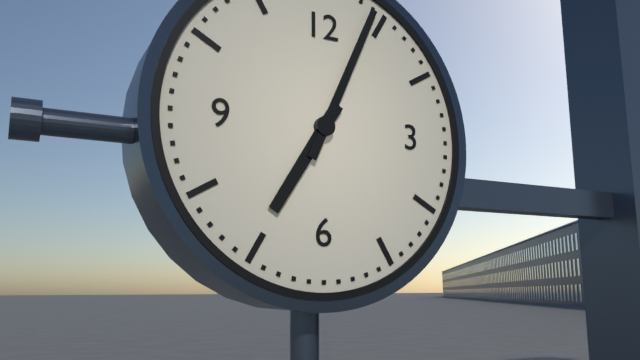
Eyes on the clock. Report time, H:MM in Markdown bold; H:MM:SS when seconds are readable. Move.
**7:04**
